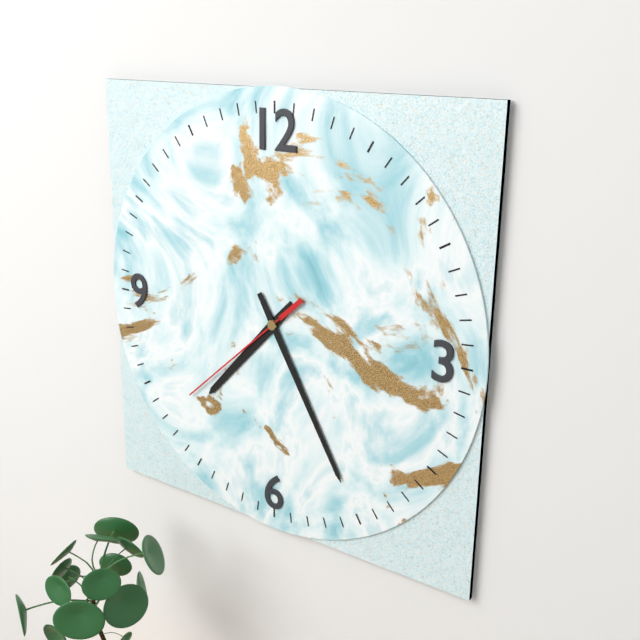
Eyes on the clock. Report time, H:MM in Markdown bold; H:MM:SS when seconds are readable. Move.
**7:25:38**
